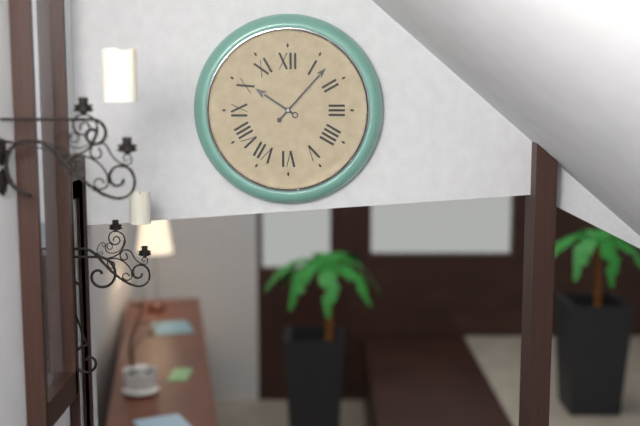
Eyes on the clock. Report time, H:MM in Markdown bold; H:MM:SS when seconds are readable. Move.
**10:07**
